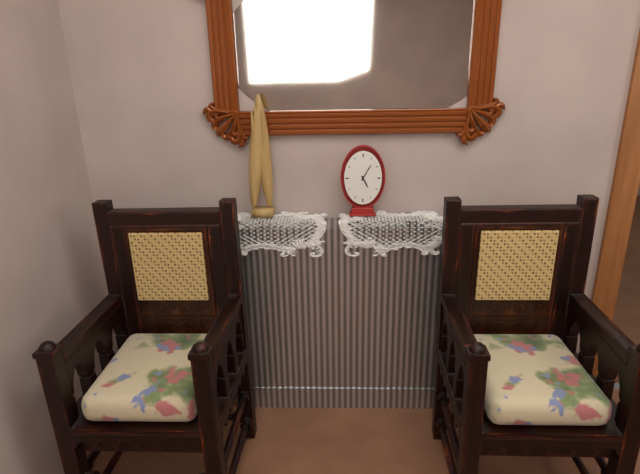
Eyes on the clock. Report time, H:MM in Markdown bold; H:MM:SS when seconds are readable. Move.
**5:05**
